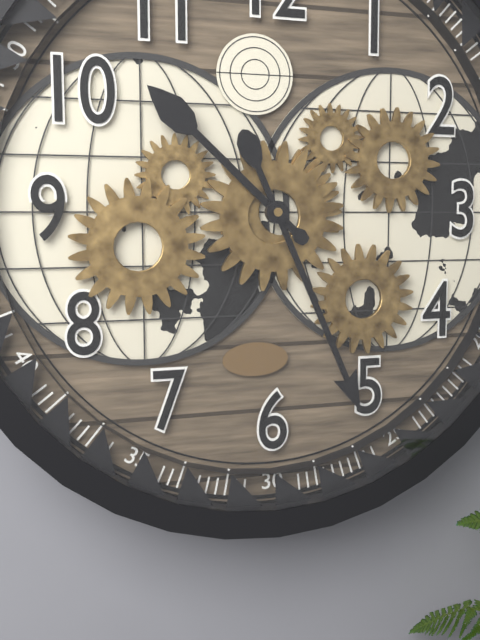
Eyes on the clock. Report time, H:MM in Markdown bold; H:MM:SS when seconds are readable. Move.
**10:26**
